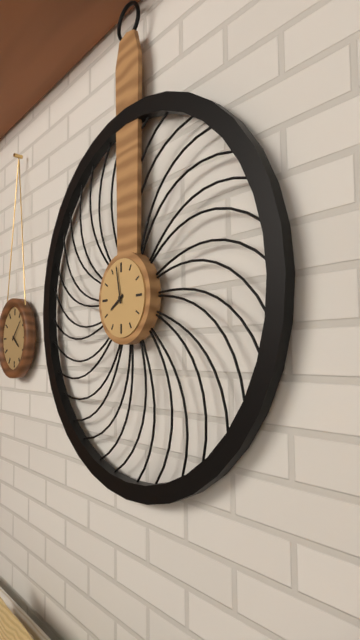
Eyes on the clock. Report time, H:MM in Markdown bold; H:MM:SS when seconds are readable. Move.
**7:58**
